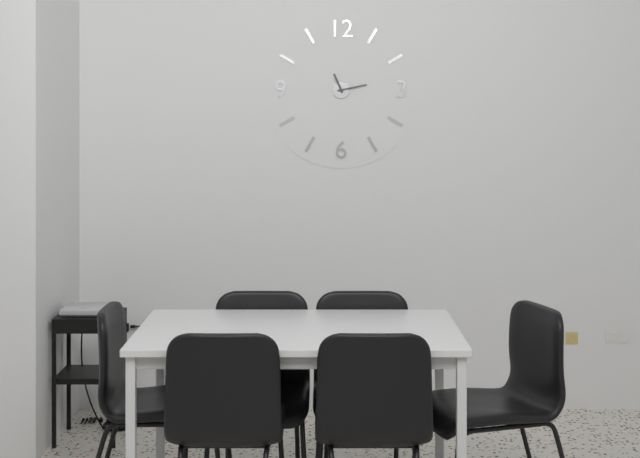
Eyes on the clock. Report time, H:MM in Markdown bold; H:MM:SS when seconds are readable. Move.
**11:13**
